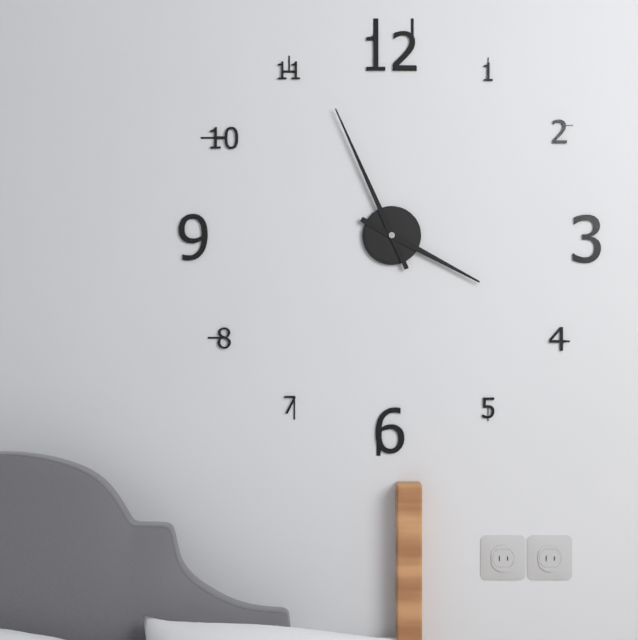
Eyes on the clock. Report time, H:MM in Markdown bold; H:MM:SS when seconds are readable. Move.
**3:56**
